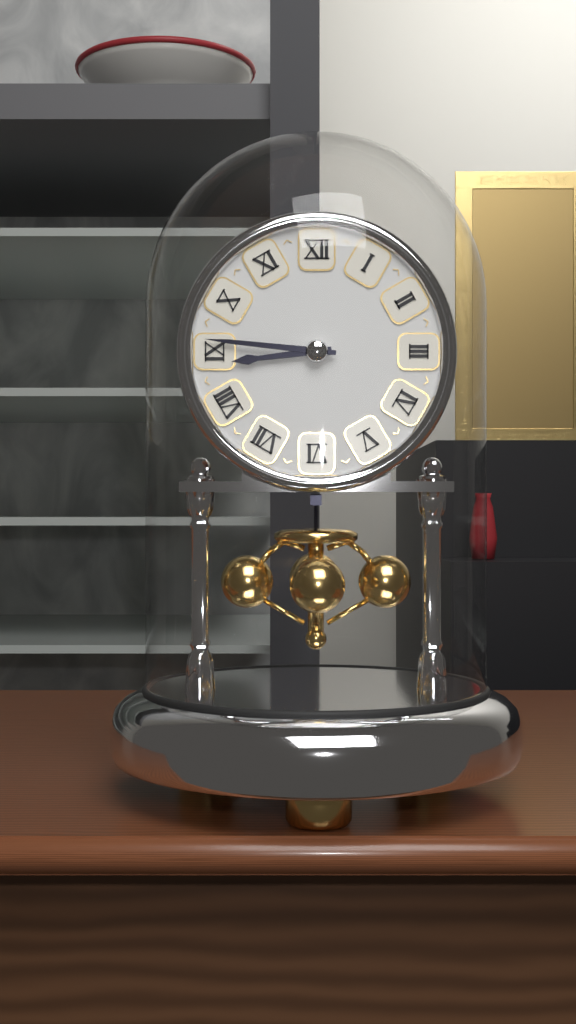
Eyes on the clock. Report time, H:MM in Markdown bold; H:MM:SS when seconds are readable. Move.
**8:46**
